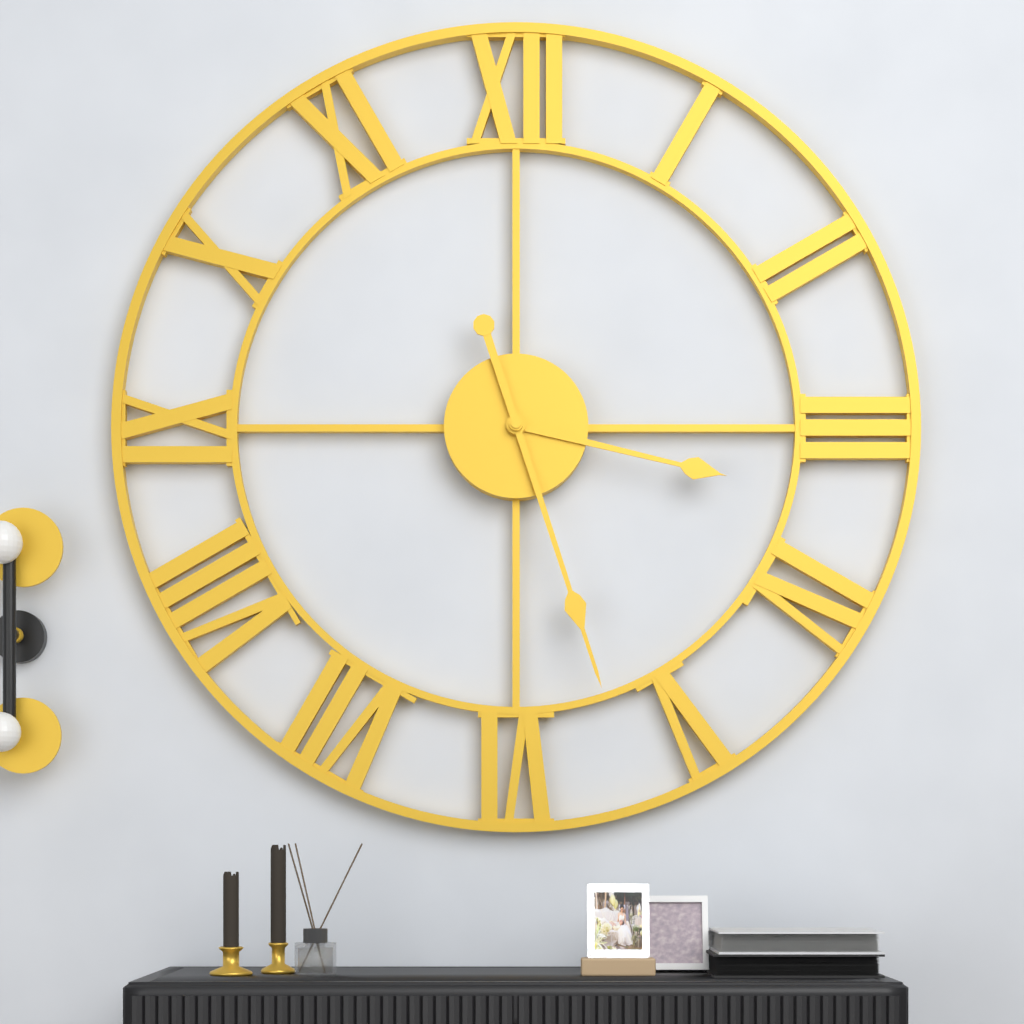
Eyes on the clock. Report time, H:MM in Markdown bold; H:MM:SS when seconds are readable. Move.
**3:27**
